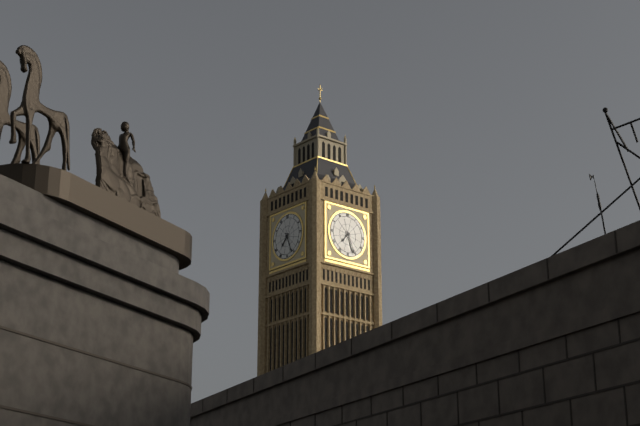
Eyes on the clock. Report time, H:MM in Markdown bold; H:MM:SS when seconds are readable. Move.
**7:26**
